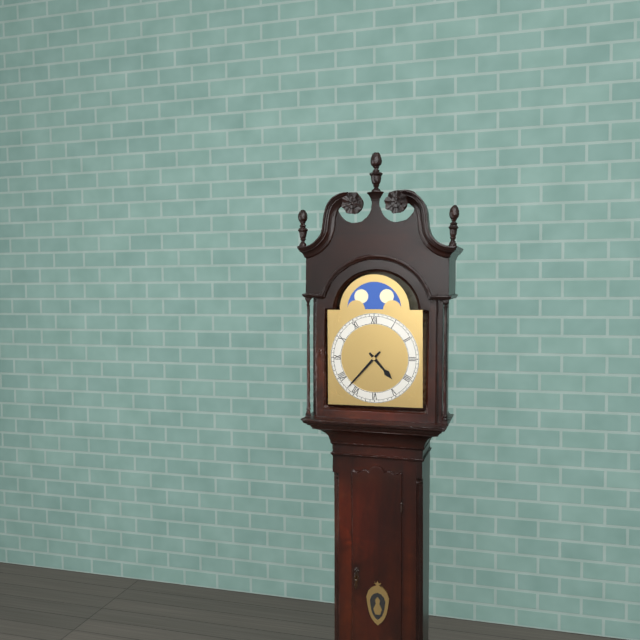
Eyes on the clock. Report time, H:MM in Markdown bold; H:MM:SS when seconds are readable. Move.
**4:37**
